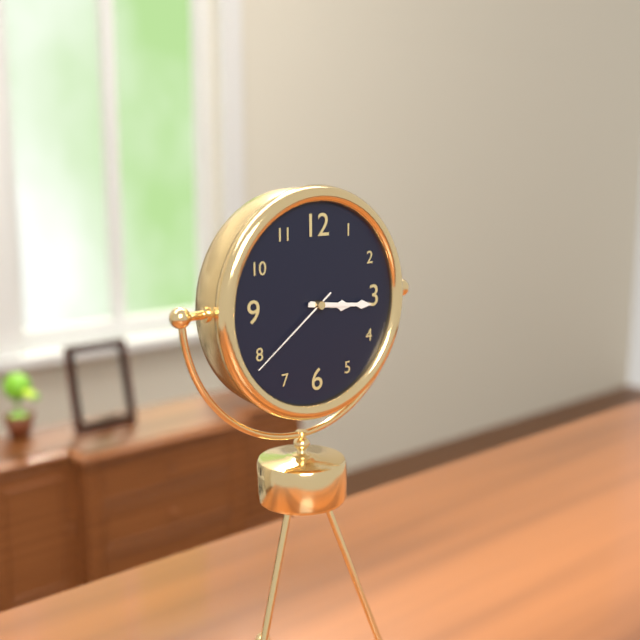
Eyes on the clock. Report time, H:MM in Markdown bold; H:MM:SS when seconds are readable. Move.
**3:16:39**
